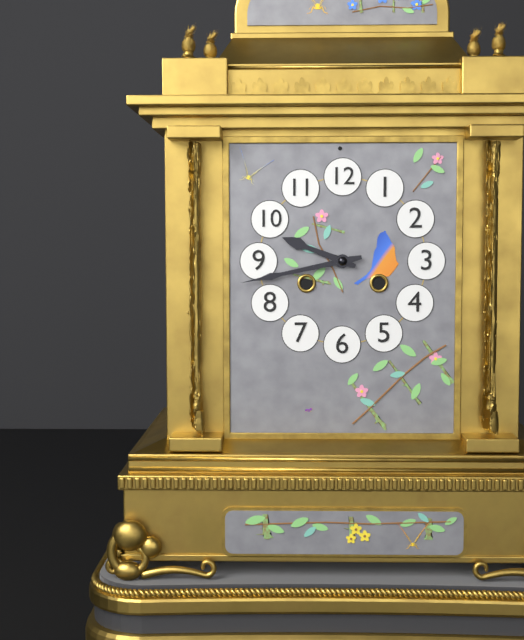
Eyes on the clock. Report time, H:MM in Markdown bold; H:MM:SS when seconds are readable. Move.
**9:43**
